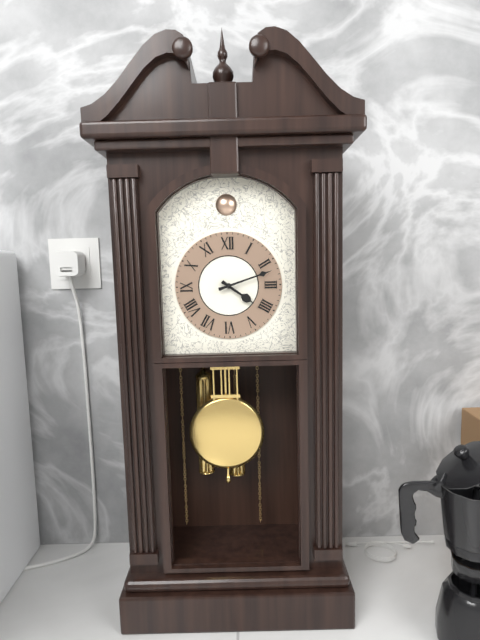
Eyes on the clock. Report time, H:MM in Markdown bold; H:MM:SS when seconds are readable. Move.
**4:12**
